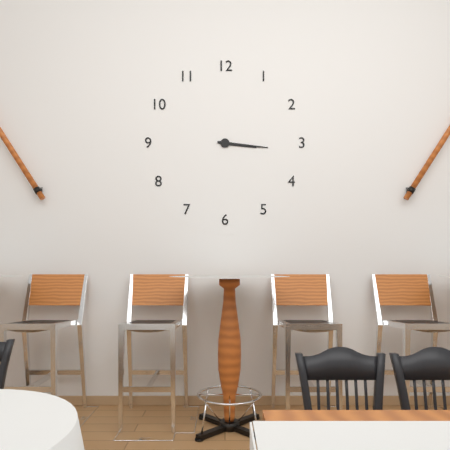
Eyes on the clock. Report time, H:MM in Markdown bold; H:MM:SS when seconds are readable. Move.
**3:16**
